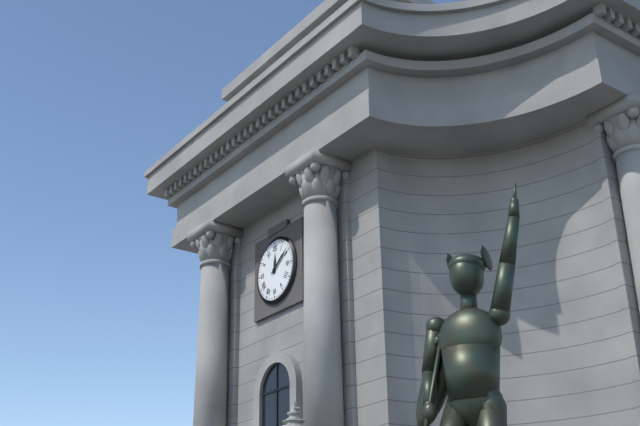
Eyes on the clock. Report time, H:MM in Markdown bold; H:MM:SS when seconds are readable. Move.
**12:09**
